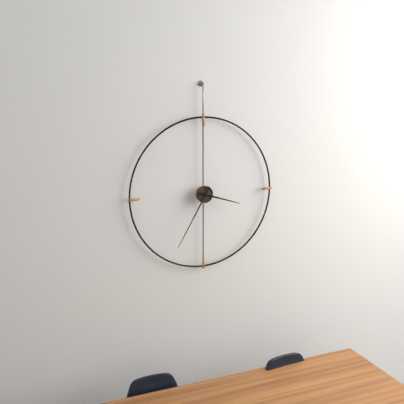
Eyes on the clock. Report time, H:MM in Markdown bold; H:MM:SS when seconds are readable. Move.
**3:35**
